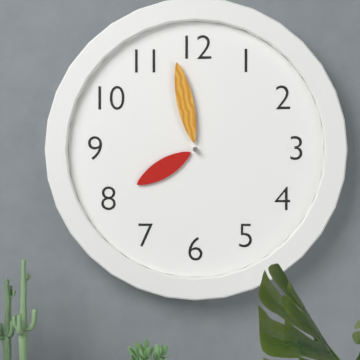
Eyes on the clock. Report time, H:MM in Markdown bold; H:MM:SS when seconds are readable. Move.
**7:58**
